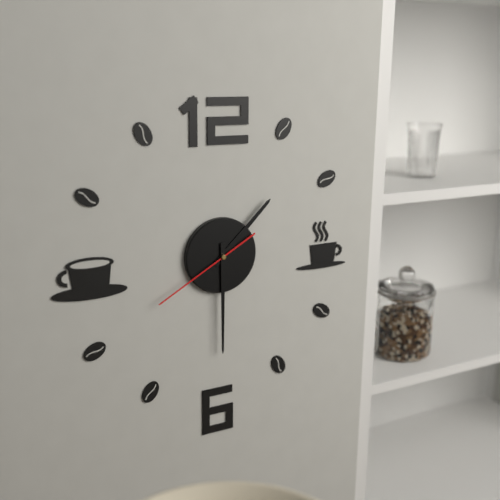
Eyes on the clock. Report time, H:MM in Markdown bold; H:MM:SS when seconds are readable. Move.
**1:30:40**
